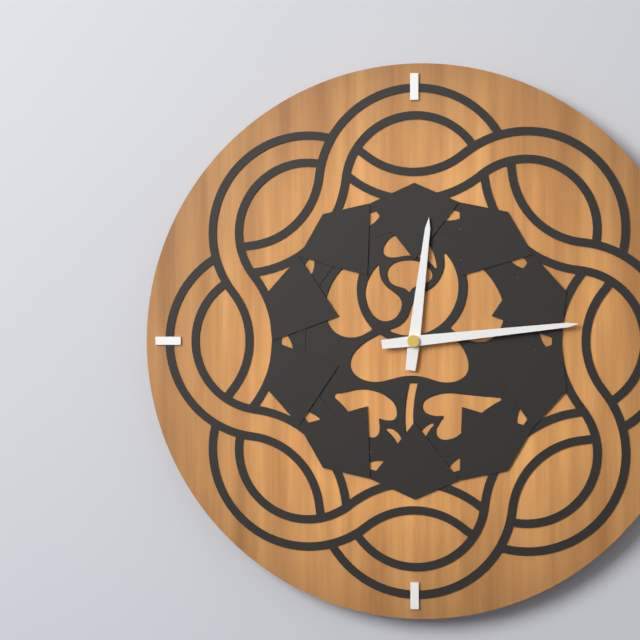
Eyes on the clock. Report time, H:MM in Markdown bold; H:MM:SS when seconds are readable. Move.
**12:14**
